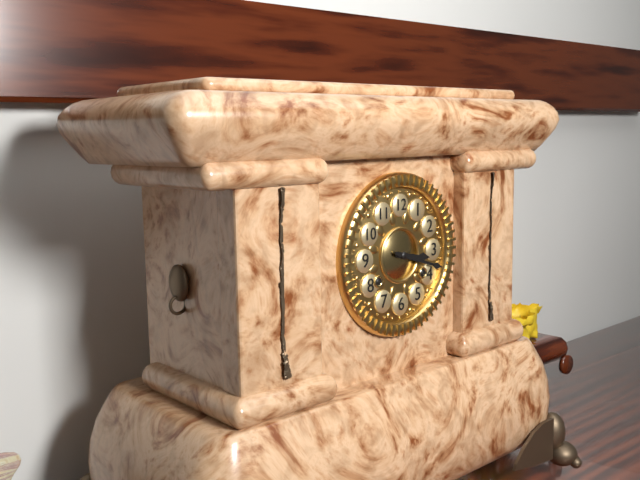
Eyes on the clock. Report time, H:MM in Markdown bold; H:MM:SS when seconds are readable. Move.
**3:18**
